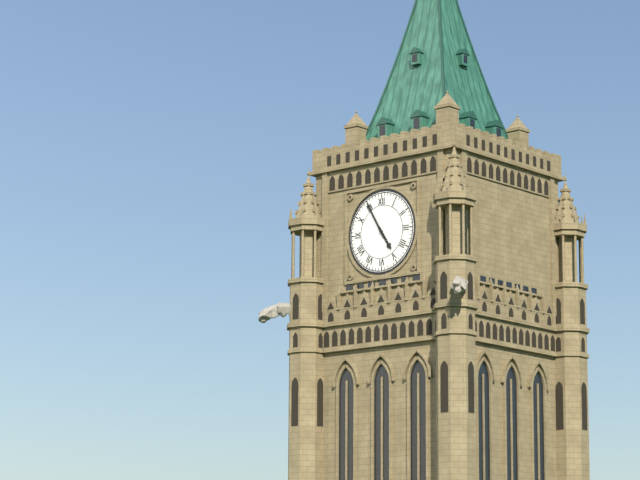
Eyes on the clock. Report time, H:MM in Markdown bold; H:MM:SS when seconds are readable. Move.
**4:55**
